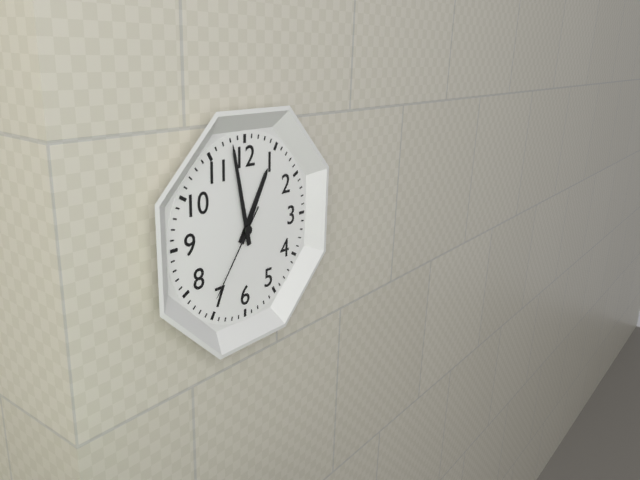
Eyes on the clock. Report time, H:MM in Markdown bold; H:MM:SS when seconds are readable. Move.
**12:58:36**
